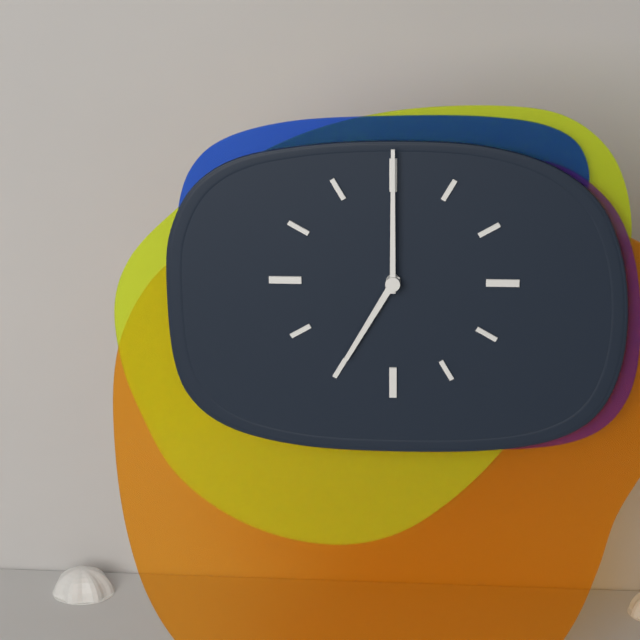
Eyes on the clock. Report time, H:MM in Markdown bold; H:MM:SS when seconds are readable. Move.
**7:00**
